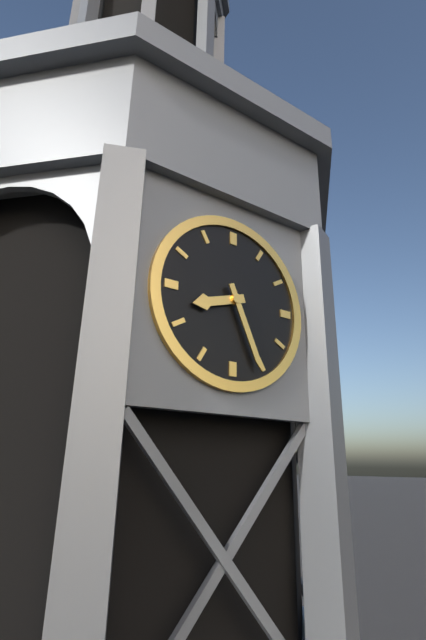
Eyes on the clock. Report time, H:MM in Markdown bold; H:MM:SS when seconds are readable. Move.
**8:26**
